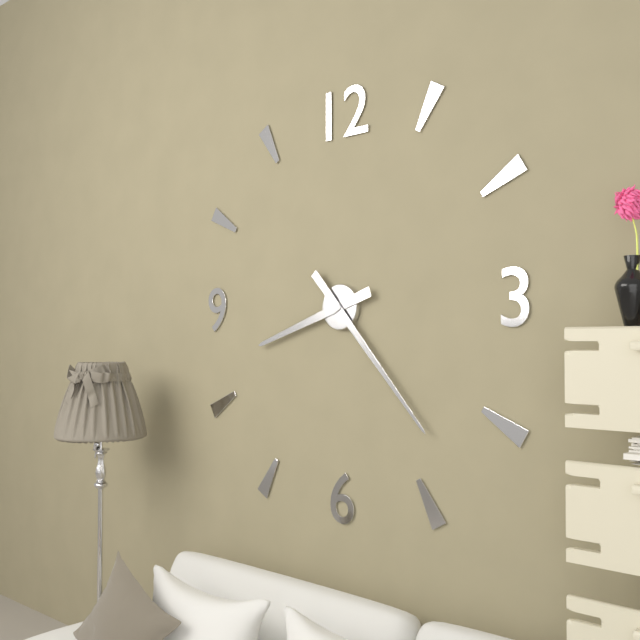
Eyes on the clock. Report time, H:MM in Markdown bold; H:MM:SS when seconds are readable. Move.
**8:23**
